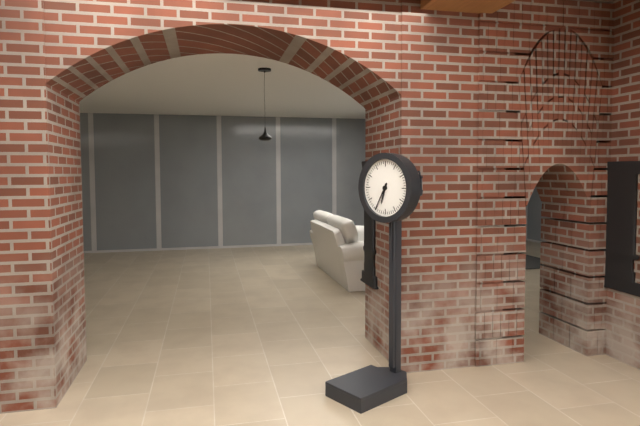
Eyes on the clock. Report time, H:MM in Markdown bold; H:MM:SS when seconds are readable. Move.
**6:35**
